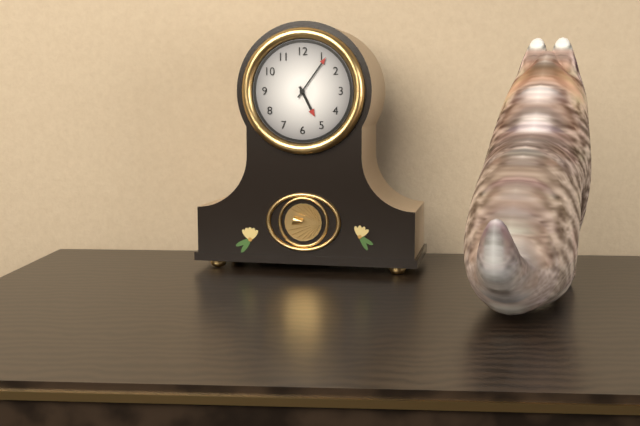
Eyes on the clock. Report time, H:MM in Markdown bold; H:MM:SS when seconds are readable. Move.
**5:06**
